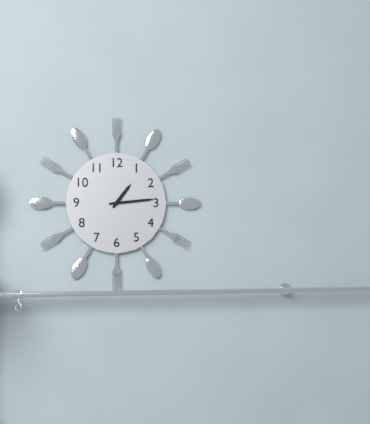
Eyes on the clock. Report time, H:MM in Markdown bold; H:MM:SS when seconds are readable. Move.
**1:14**
